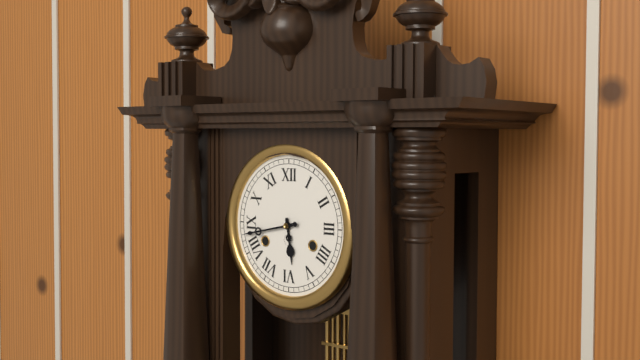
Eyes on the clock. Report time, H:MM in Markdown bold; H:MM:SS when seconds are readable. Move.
**5:43**
